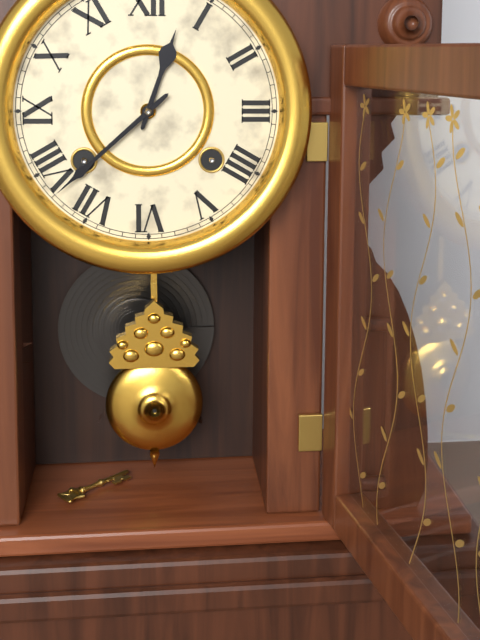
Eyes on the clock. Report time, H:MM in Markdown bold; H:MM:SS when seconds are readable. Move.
**12:38**
